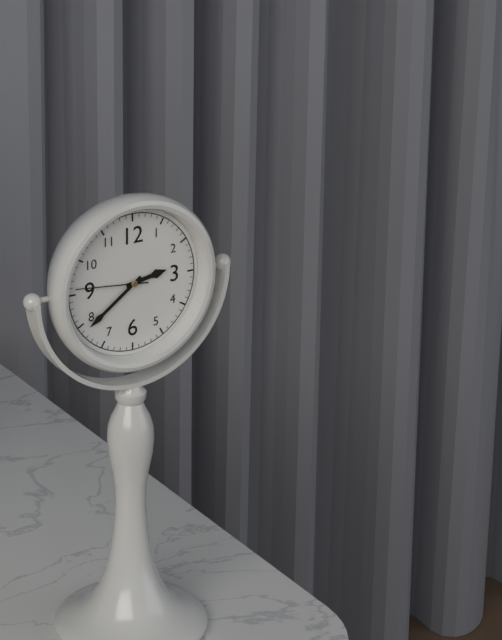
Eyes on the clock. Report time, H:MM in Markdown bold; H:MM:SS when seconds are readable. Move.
**2:39:46**
